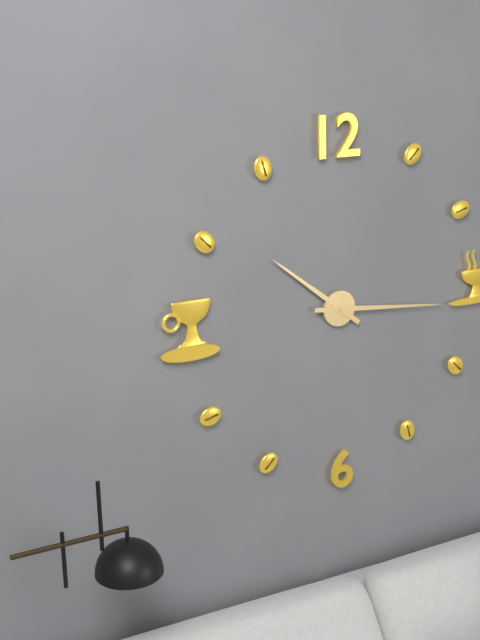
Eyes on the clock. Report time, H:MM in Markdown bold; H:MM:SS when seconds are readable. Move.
**10:16**
